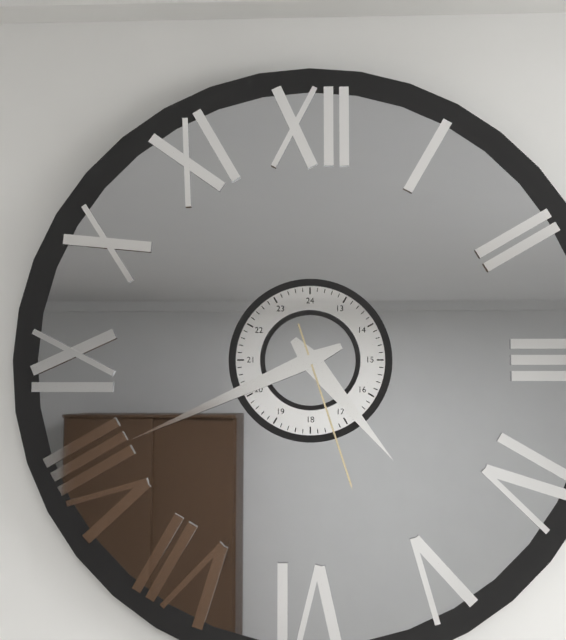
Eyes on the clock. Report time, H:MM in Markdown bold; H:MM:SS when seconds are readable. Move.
**4:41:27**
